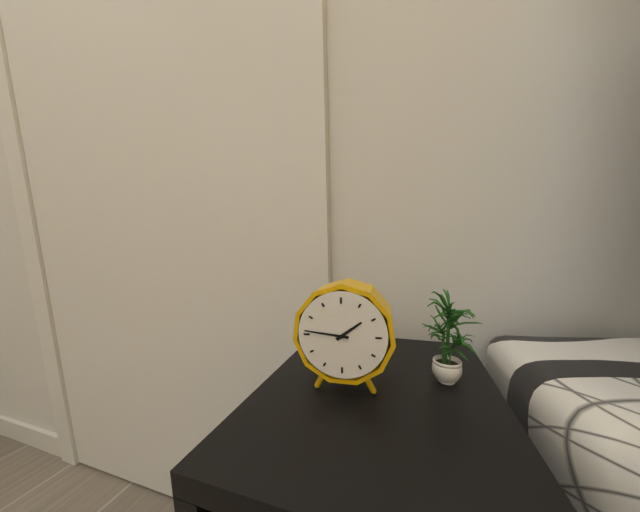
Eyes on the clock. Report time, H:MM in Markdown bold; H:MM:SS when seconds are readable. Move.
**1:46**
